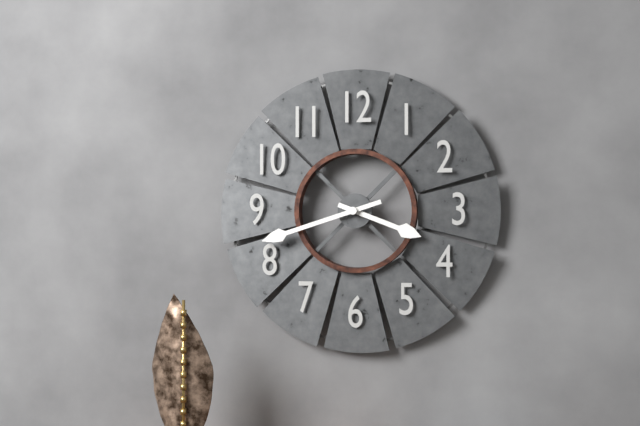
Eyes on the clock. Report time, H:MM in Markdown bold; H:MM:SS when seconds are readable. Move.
**3:42**
